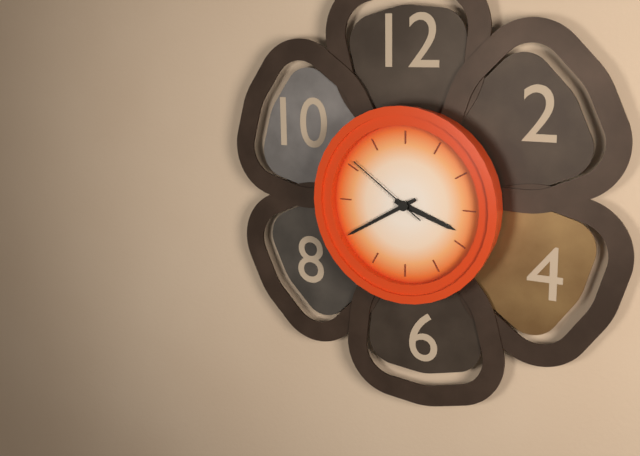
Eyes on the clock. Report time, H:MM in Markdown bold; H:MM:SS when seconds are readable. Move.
**3:40:51**
